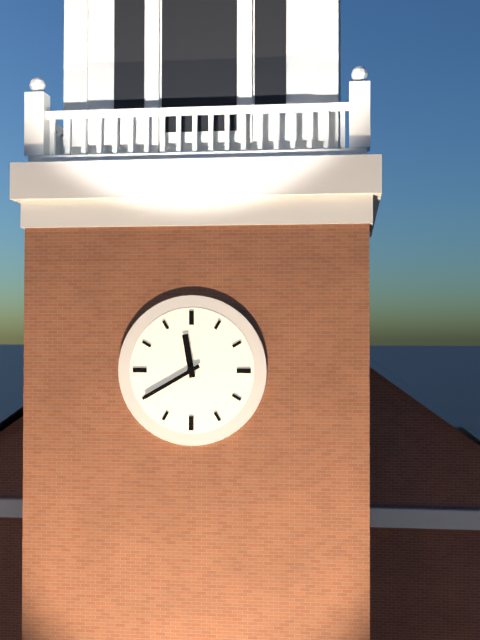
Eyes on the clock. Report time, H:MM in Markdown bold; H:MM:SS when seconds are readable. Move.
**11:40**
